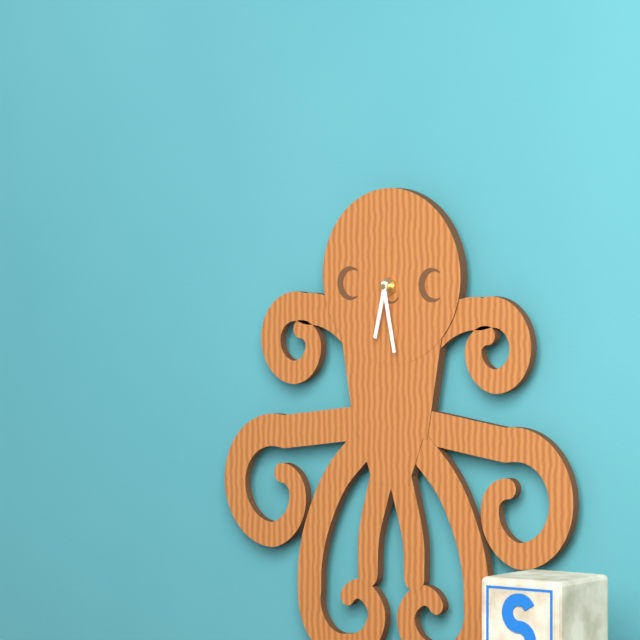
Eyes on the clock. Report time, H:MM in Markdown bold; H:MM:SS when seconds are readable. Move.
**6:28**
